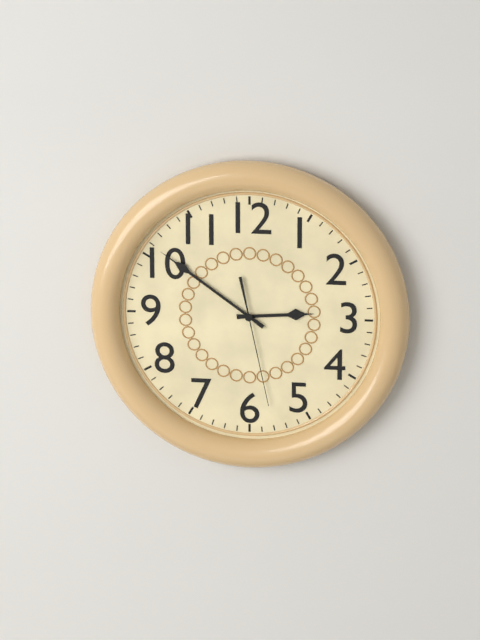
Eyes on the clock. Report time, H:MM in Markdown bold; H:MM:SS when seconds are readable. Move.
**2:51:28**
